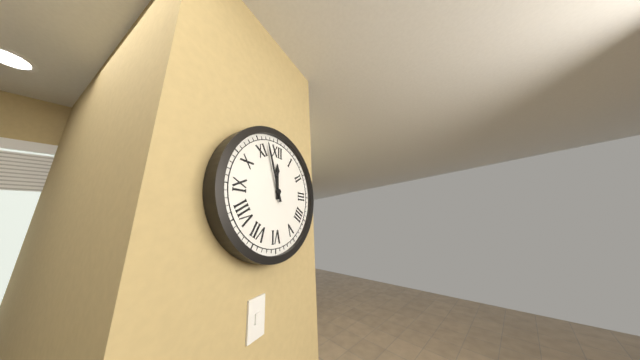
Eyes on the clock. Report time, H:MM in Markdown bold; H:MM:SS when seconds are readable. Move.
**11:57**
